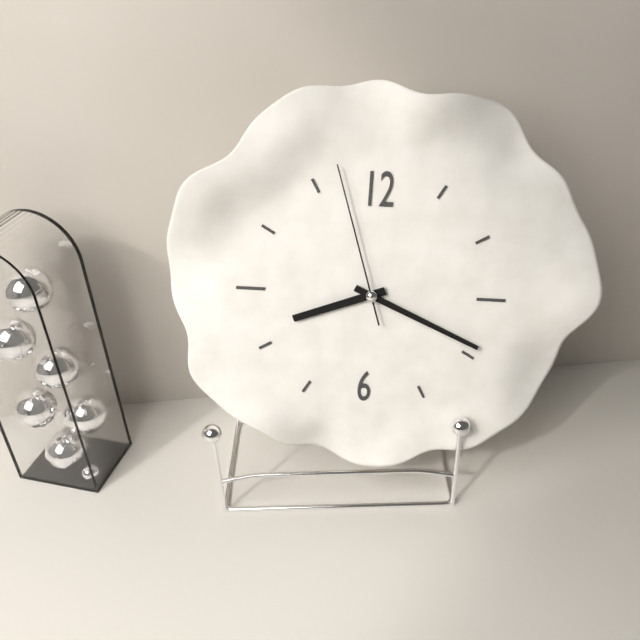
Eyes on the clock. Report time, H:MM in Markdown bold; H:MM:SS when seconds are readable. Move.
**8:19:57**
